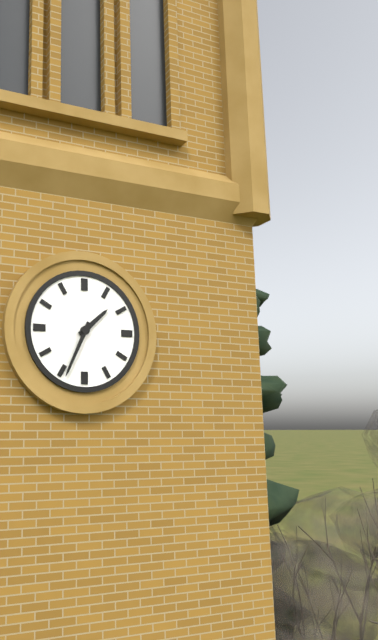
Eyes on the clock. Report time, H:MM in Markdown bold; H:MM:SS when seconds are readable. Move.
**1:34**
